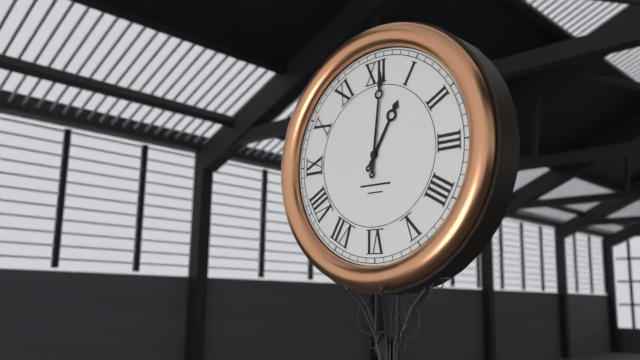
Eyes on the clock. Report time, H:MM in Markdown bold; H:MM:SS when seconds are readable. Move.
**1:01**
